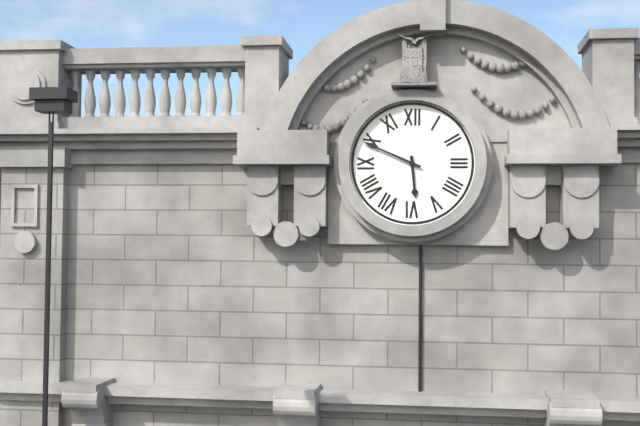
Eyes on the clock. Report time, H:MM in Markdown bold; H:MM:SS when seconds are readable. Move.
**5:49**
